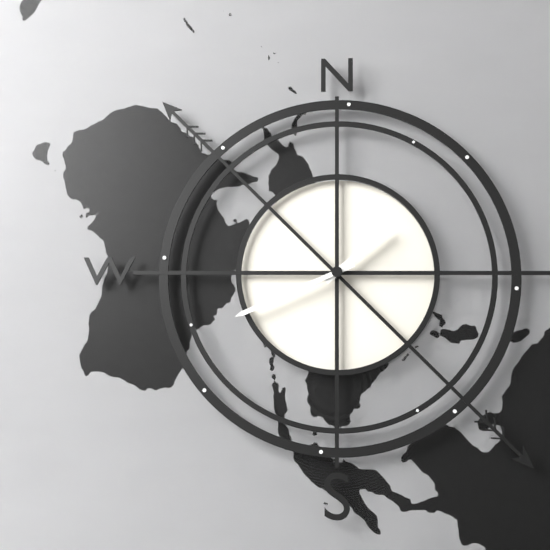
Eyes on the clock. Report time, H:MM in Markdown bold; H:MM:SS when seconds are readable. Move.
**1:41**
